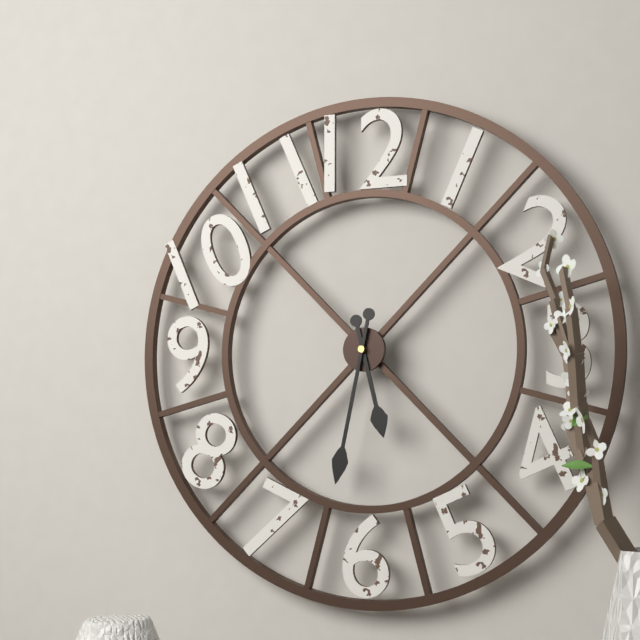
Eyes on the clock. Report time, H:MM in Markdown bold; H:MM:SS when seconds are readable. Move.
**5:32**
